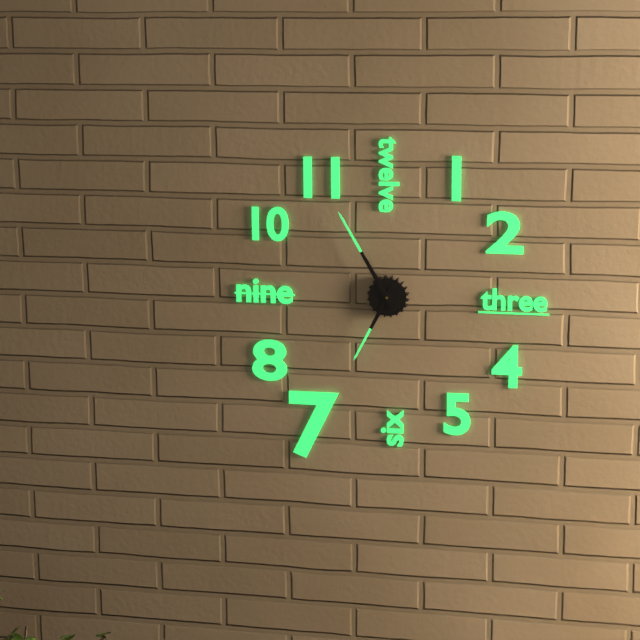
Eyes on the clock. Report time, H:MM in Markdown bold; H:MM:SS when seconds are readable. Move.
**6:55**
